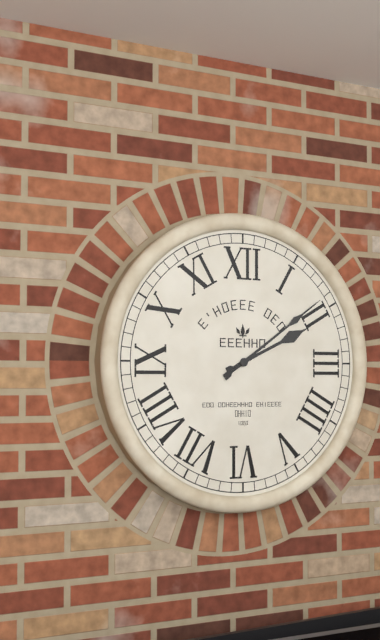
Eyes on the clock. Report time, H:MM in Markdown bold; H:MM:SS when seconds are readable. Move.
**2:09**
